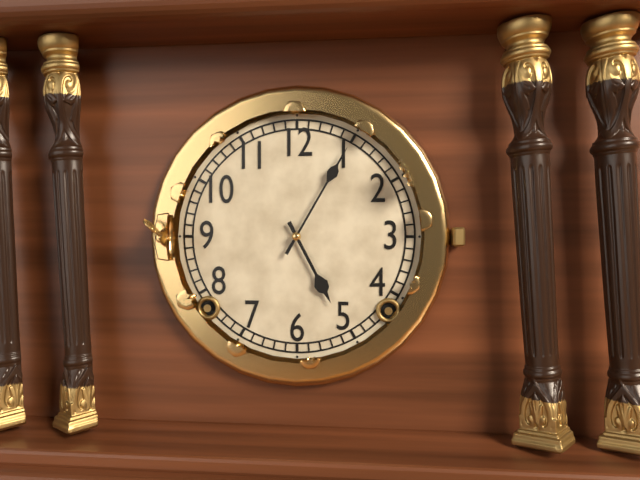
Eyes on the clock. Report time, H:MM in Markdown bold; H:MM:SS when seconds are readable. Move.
**5:05**
